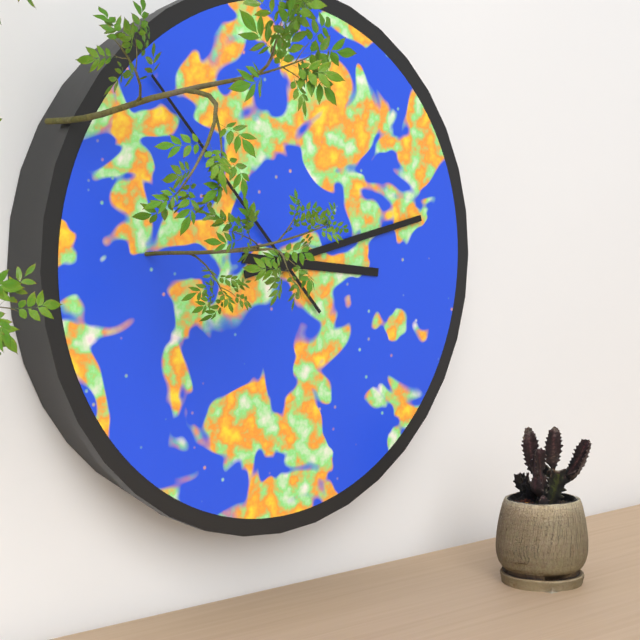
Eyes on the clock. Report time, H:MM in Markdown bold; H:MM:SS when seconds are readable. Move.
**3:13:53**
